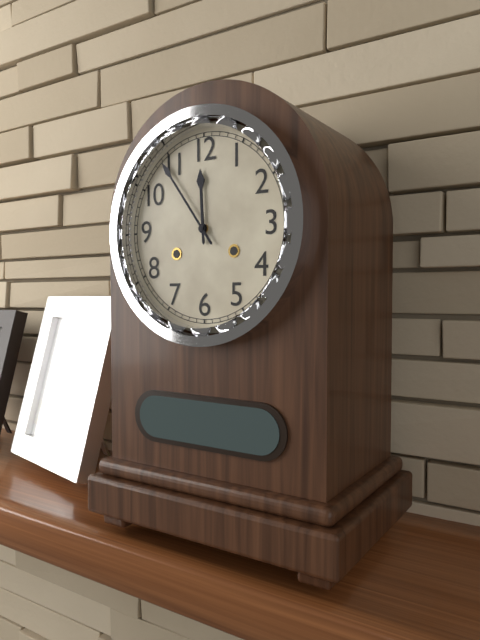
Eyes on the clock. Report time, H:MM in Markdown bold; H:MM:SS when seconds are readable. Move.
**11:54**
